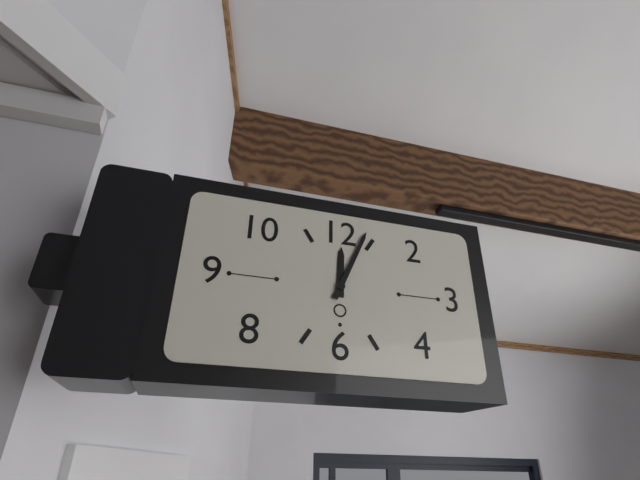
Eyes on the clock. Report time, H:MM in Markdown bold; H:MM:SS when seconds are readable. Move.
**12:04**
